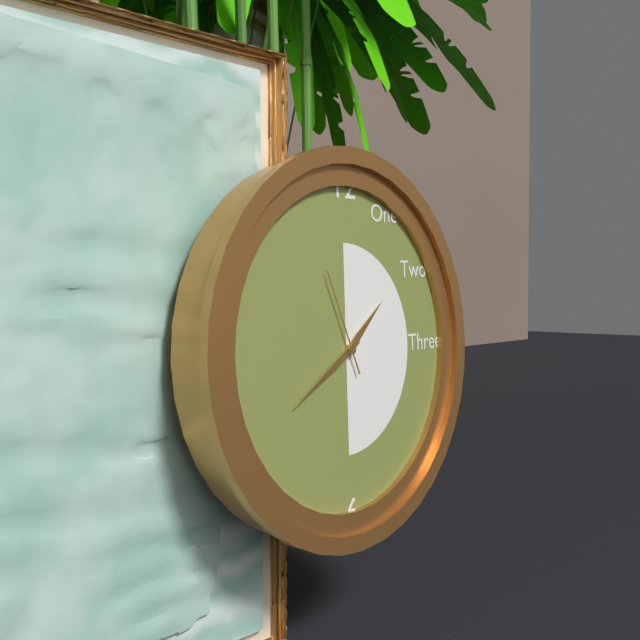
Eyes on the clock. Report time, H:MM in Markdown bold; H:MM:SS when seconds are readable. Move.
**1:40:56**
